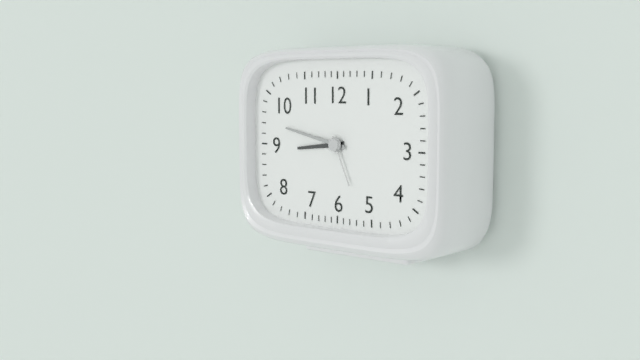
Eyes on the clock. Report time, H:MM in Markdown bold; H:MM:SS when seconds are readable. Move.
**8:47:26**
